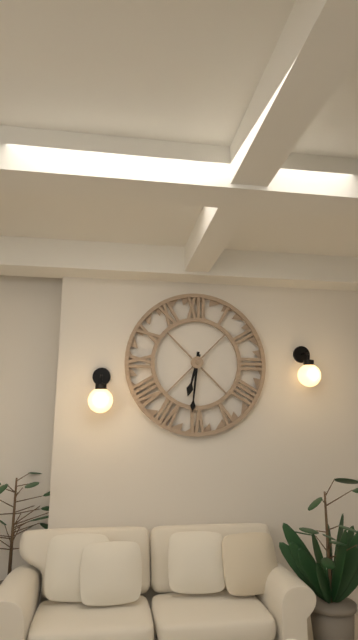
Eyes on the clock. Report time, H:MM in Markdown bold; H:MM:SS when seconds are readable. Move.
**6:31**
